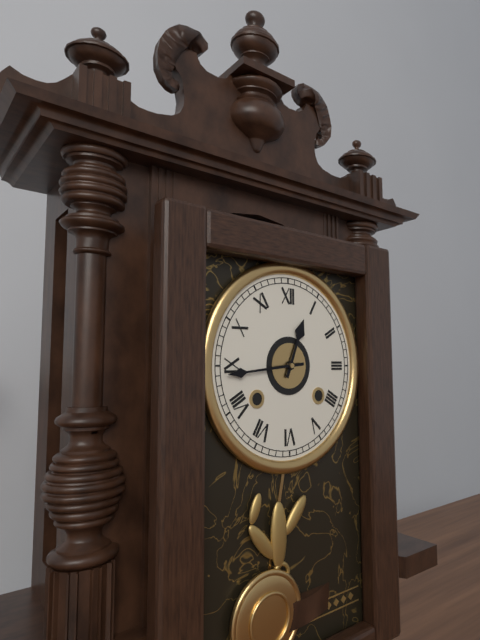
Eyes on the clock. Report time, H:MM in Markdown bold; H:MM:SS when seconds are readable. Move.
**12:44**
